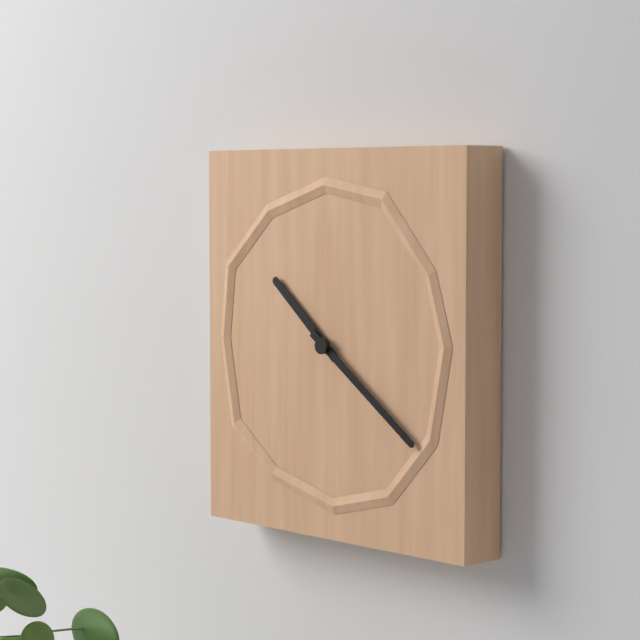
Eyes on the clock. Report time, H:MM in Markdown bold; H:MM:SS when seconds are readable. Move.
**10:21**
